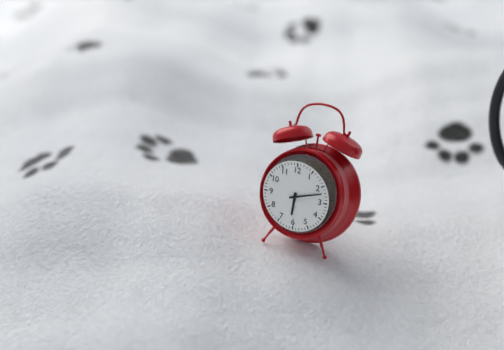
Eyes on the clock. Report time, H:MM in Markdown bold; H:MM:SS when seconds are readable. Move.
**6:12**
